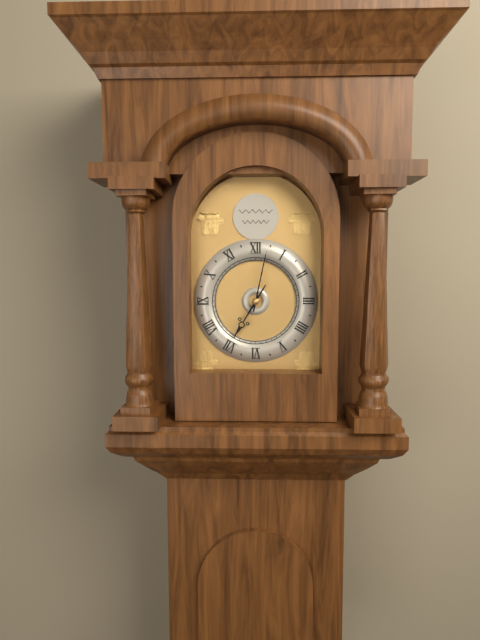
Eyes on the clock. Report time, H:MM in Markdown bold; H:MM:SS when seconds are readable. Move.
**7:02**
